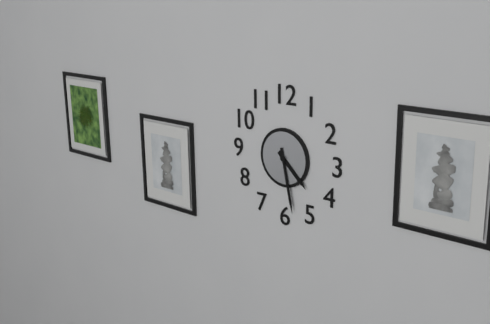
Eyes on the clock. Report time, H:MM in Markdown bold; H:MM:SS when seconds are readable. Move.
**4:28**
